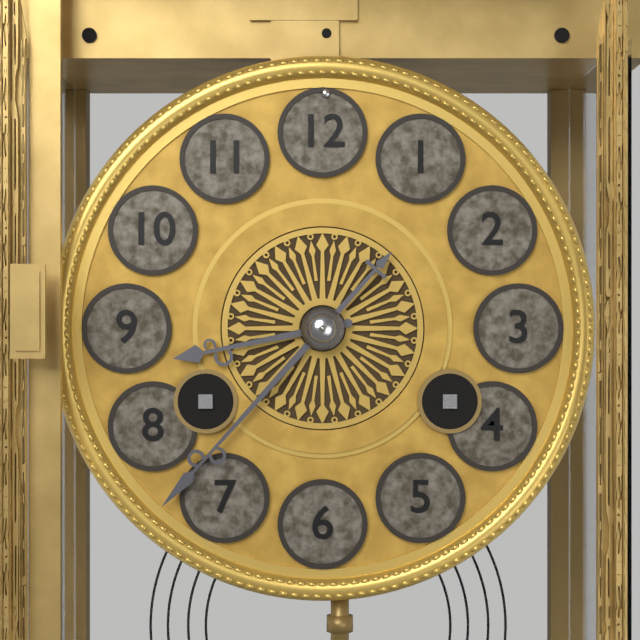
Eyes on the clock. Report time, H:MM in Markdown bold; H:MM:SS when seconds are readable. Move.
**8:37**
